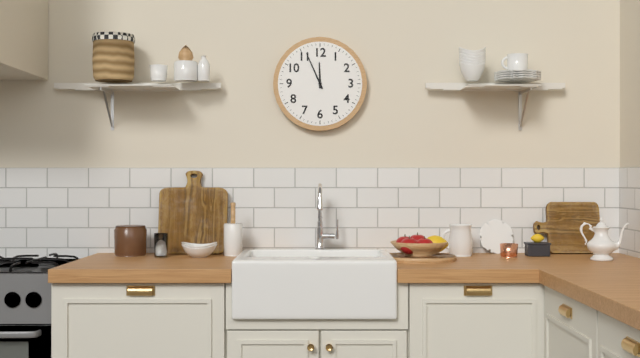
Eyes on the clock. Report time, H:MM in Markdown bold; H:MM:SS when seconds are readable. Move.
**11:56**
